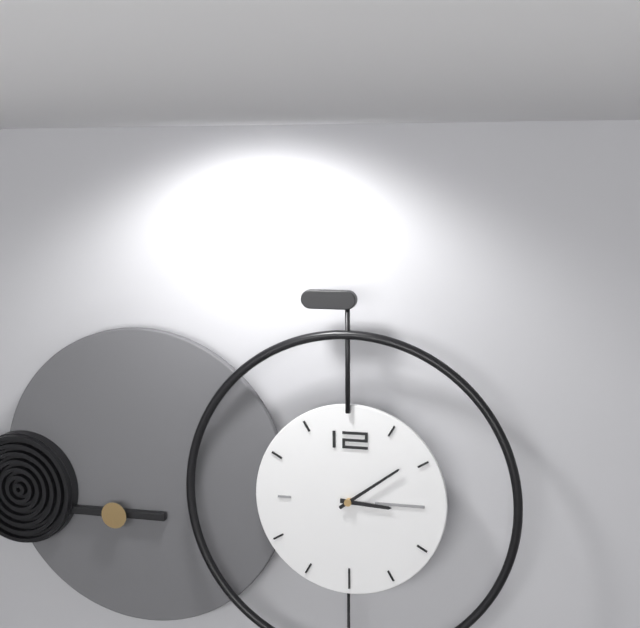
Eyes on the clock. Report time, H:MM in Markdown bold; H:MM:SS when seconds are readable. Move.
**3:09**
